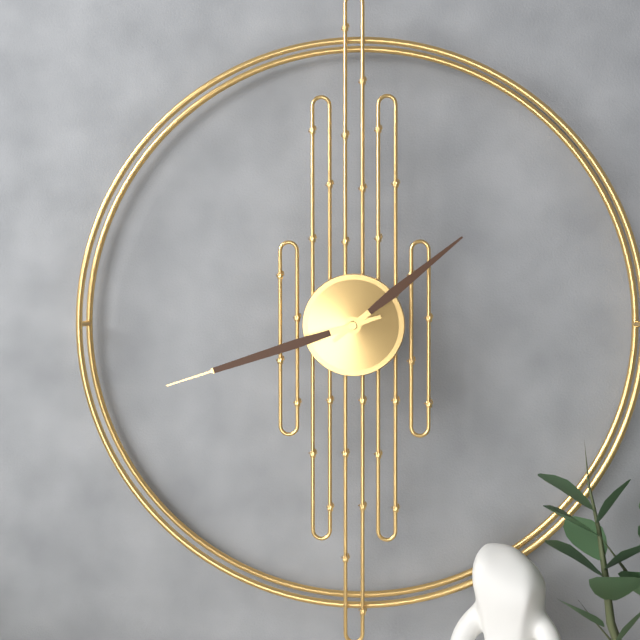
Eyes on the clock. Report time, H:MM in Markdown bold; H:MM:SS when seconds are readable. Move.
**1:42**
